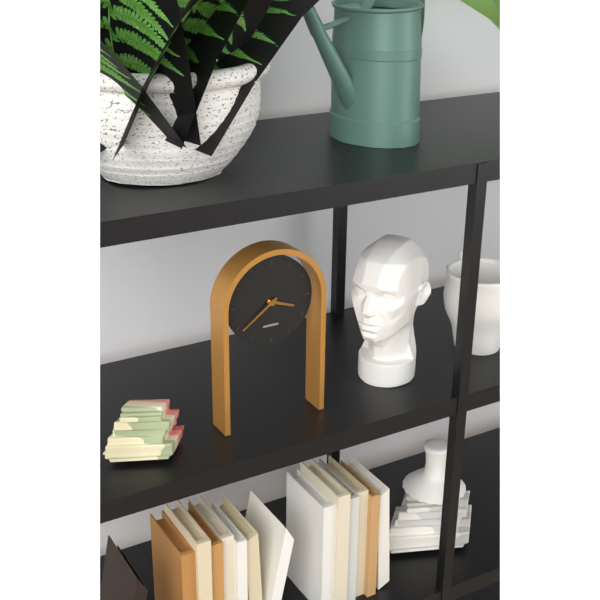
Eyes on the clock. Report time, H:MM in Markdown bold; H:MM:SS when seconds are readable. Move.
**3:39**
